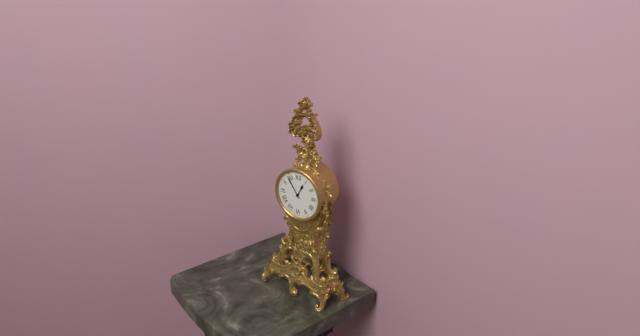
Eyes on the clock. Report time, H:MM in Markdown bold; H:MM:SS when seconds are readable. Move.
**12:54**
